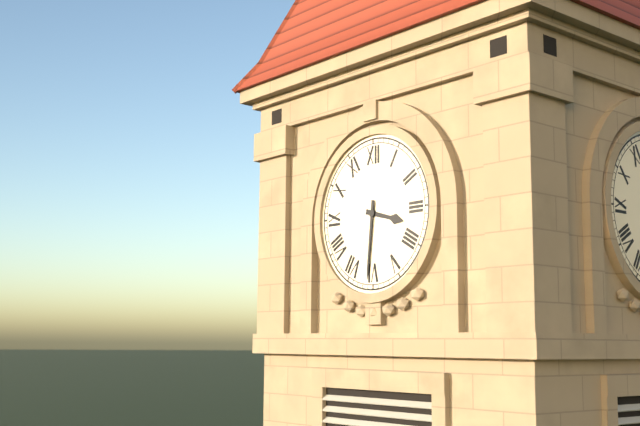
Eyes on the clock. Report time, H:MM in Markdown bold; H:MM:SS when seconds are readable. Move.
**3:31**
